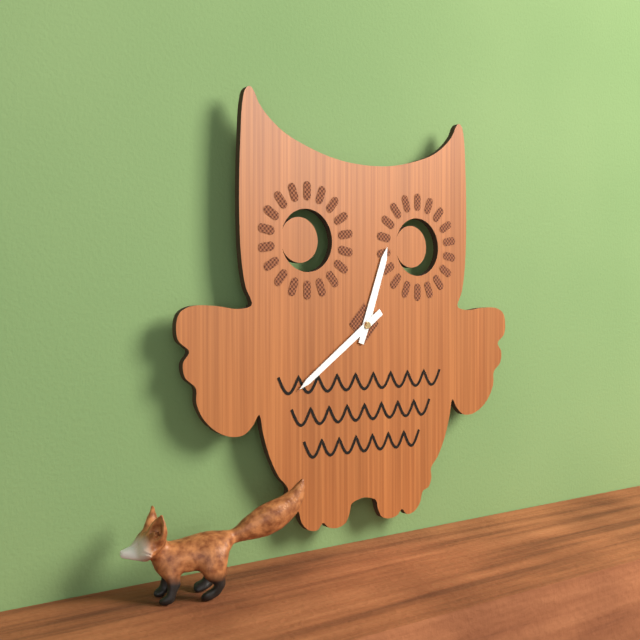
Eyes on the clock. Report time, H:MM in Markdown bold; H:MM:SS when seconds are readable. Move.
**12:39**
